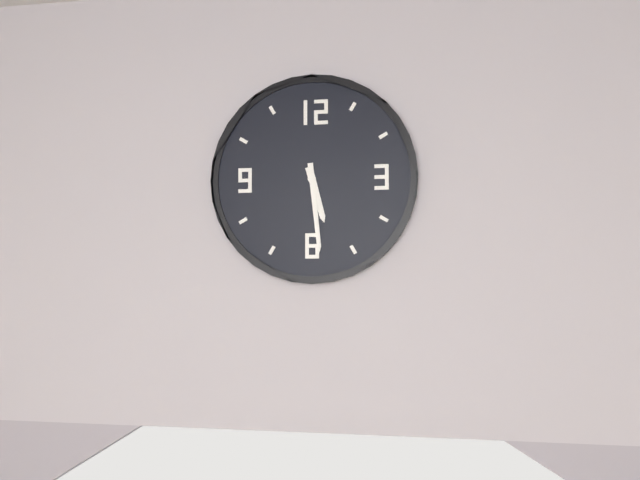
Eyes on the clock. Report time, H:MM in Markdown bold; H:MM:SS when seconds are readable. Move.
**5:29**
